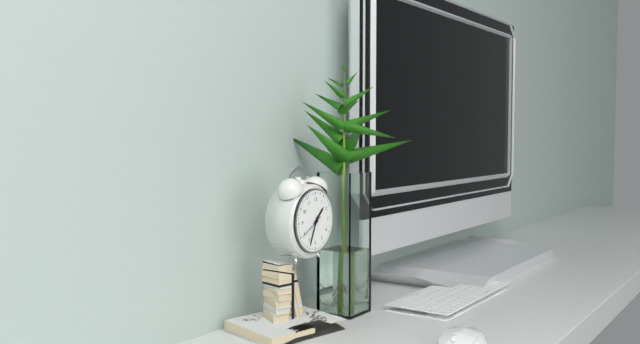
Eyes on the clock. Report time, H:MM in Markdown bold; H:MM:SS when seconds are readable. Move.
**1:34**
